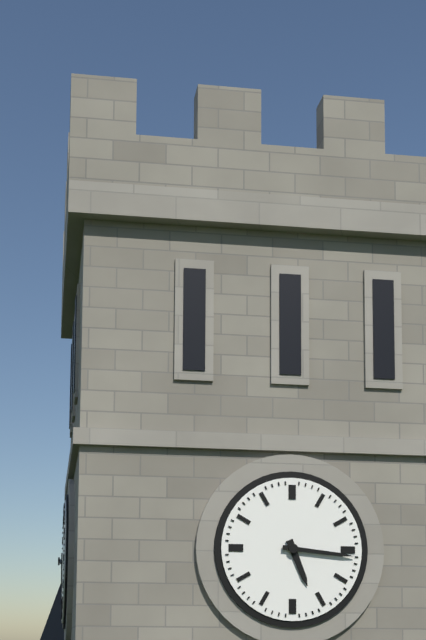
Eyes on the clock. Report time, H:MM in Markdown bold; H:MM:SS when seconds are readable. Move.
**5:16**
